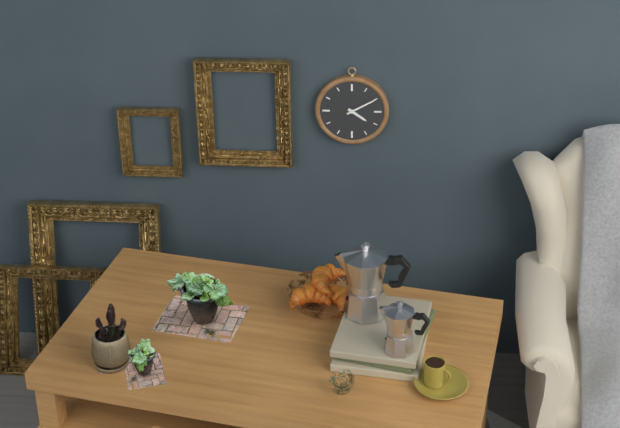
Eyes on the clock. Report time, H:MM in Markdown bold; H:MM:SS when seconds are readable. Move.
**4:10**
